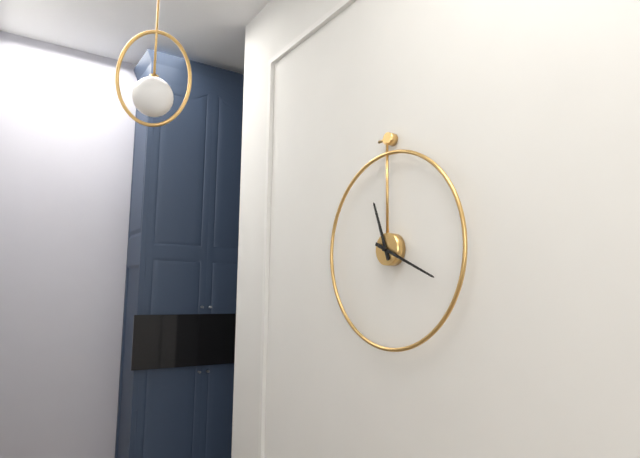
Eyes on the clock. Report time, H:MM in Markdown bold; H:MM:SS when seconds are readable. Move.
**11:19**
